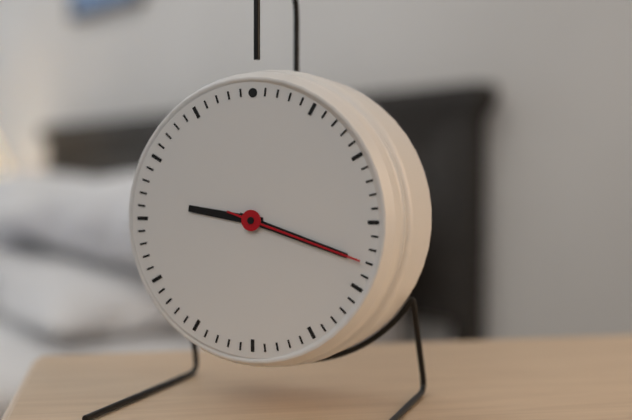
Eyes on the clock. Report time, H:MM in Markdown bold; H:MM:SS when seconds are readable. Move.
**9:18:18**
